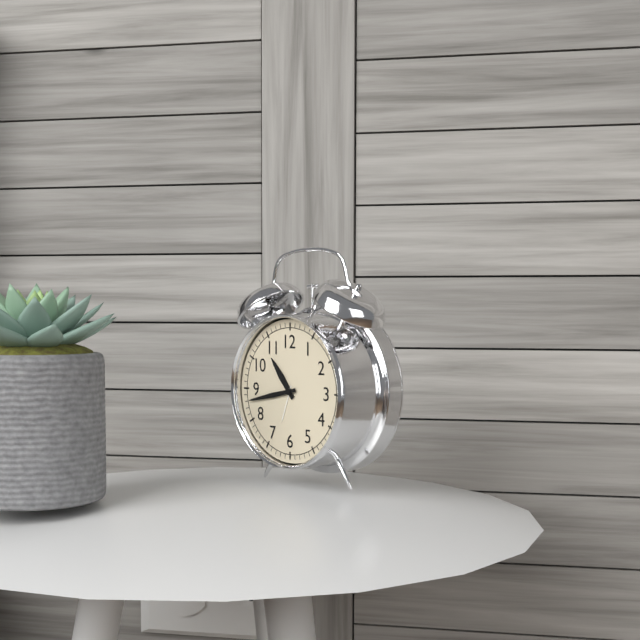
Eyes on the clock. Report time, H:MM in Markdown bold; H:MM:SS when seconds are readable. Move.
**10:43**
